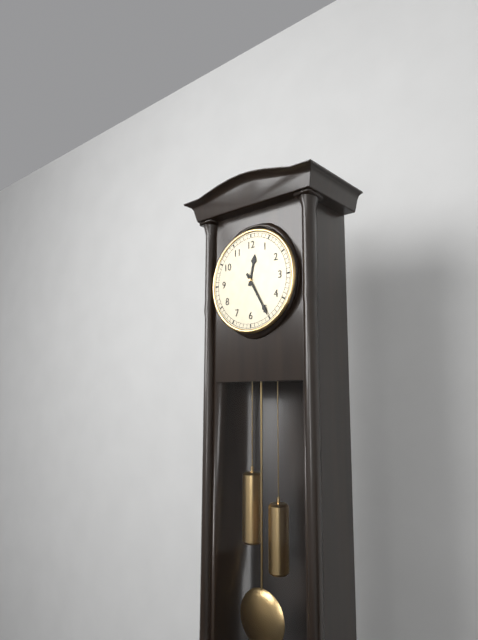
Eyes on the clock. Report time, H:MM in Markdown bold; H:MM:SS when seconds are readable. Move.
**12:25**
